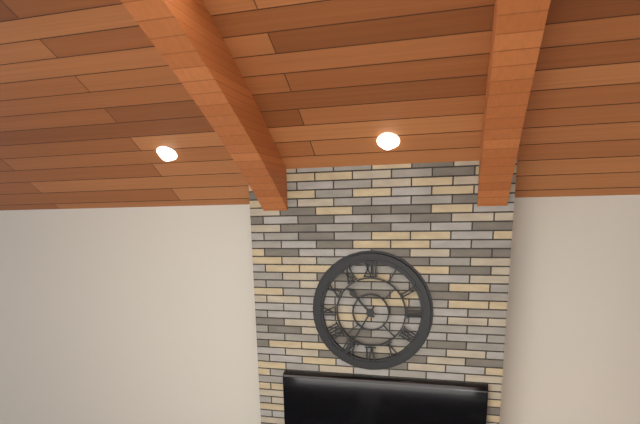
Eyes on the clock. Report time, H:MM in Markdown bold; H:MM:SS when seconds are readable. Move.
**10:35**
